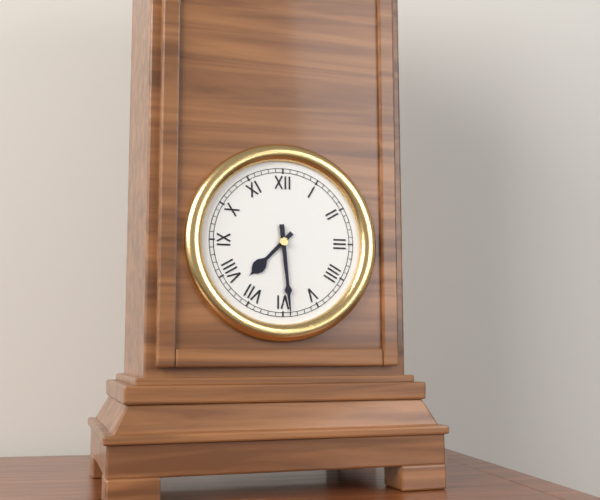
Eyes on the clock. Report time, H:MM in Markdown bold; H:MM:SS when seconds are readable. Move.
**7:29**
